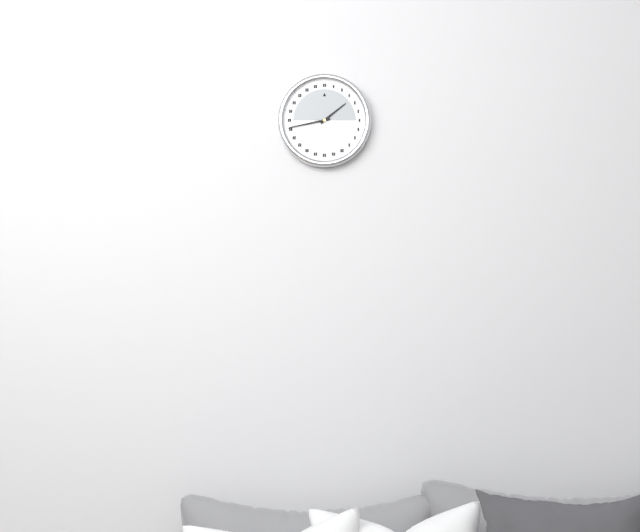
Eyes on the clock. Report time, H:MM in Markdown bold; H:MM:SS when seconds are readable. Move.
**1:43**
